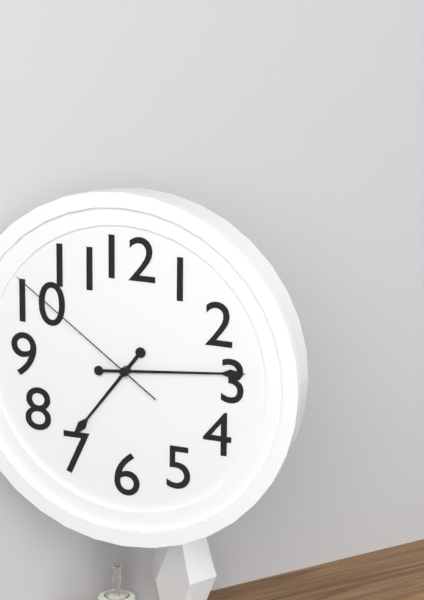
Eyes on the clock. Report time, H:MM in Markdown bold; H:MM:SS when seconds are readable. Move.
**7:14:51**
